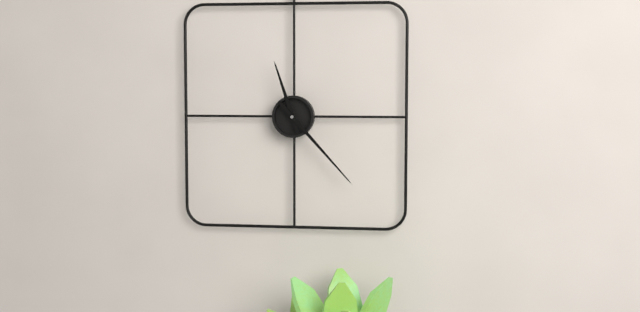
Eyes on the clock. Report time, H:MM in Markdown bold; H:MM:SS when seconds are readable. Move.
**11:23**
